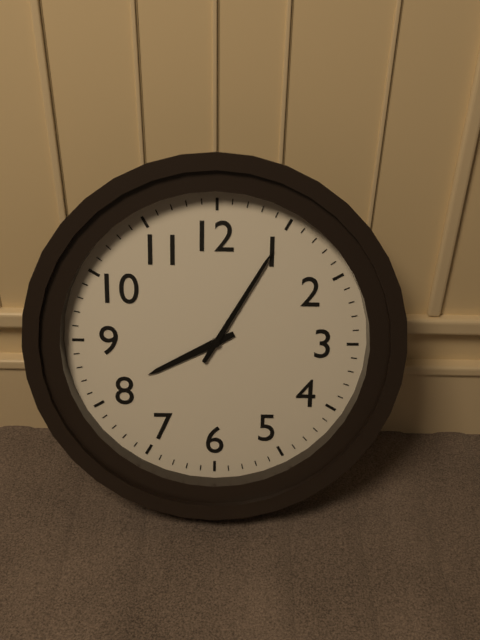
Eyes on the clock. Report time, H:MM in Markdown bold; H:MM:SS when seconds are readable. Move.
**8:05**
